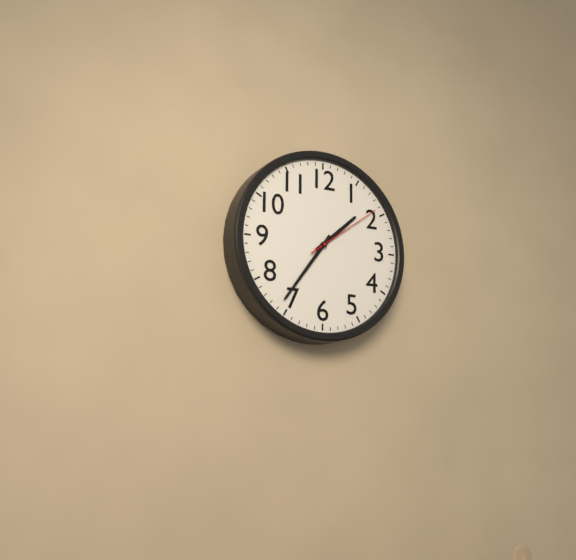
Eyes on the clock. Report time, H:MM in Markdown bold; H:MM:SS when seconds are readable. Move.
**1:36:09**
